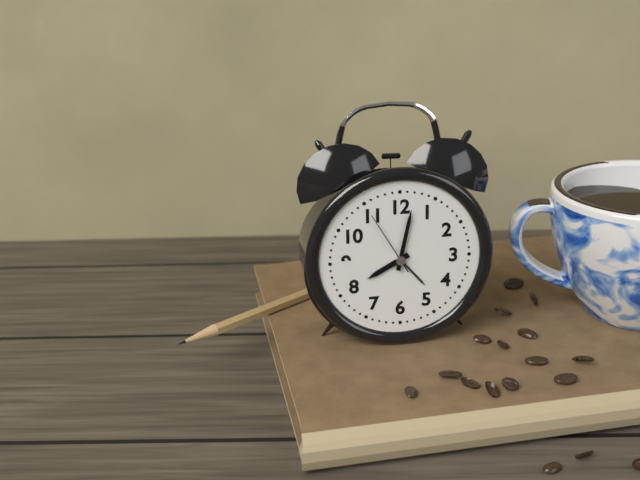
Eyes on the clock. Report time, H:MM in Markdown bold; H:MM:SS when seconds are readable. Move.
**8:02:55**
